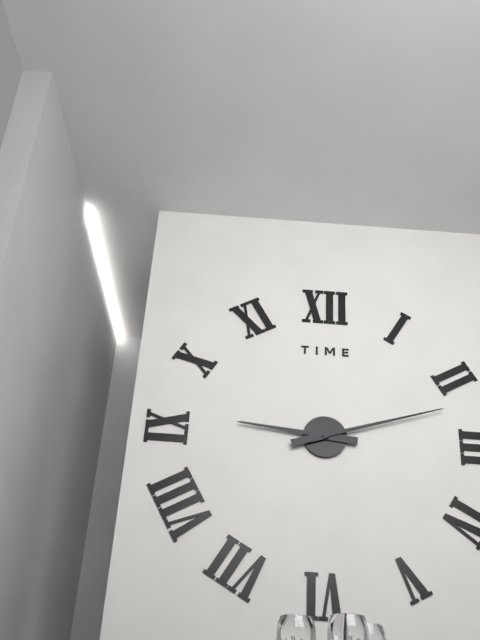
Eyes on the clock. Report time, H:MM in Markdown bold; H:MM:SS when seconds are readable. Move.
**9:12**
